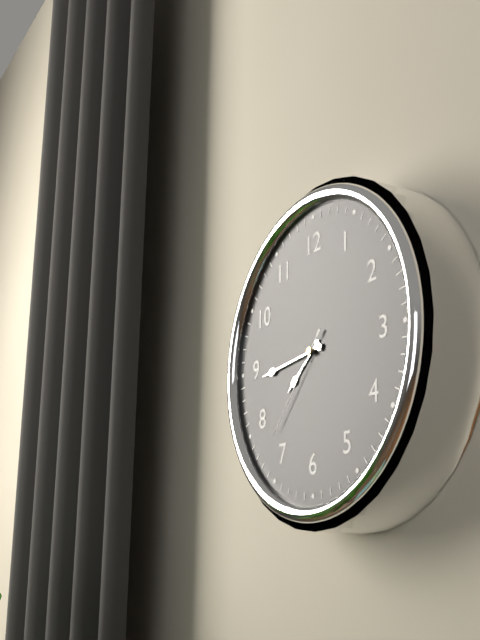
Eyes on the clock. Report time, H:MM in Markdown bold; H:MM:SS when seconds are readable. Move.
**7:44:37**
